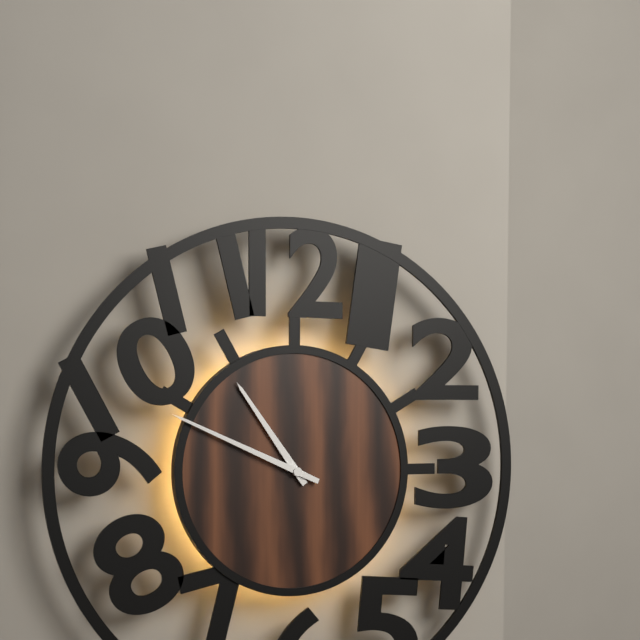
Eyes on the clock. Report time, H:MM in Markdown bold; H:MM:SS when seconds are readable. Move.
**10:49**
